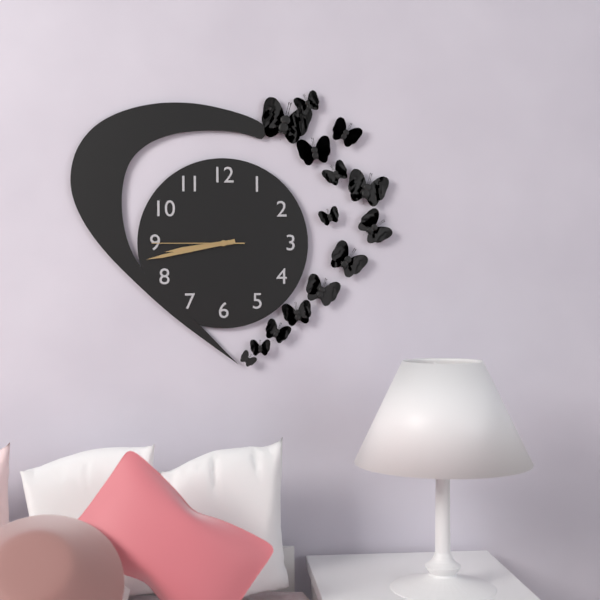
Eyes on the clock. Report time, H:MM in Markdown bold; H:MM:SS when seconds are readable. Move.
**8:43:45**
